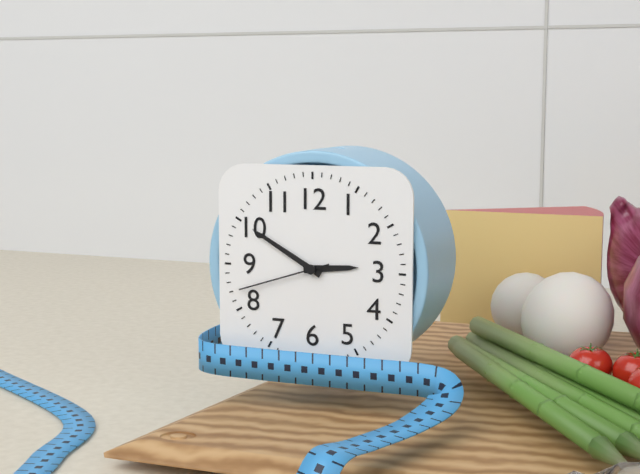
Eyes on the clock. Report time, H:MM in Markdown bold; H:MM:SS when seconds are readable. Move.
**2:50:42**
